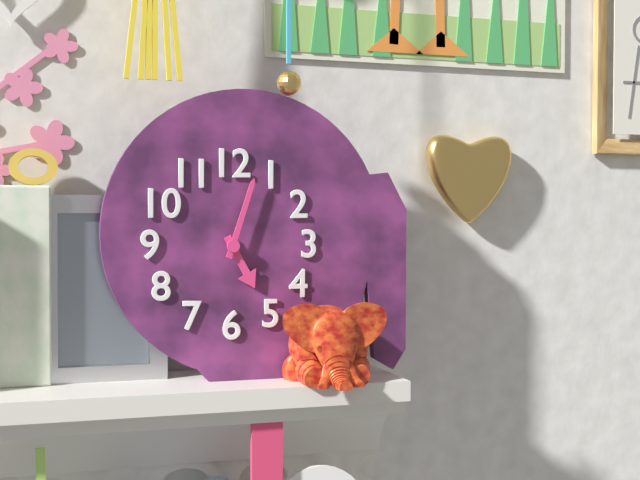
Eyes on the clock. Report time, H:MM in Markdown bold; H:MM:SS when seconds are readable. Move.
**5:03**
